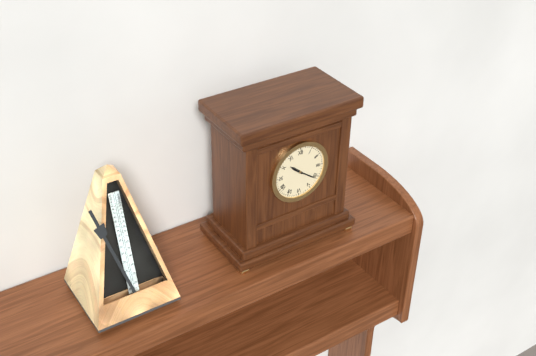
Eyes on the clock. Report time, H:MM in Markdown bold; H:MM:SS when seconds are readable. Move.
**10:21**
